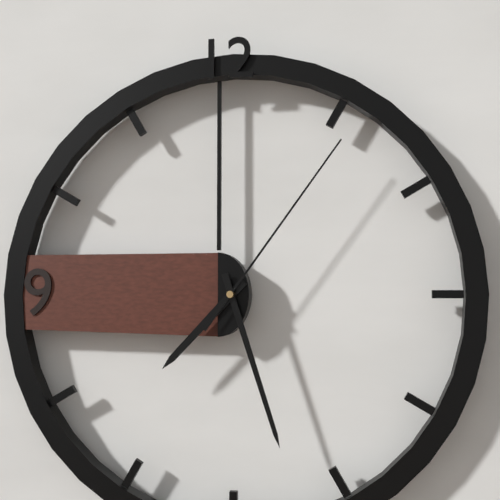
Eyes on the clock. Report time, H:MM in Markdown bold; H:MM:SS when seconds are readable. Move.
**7:27:06**
